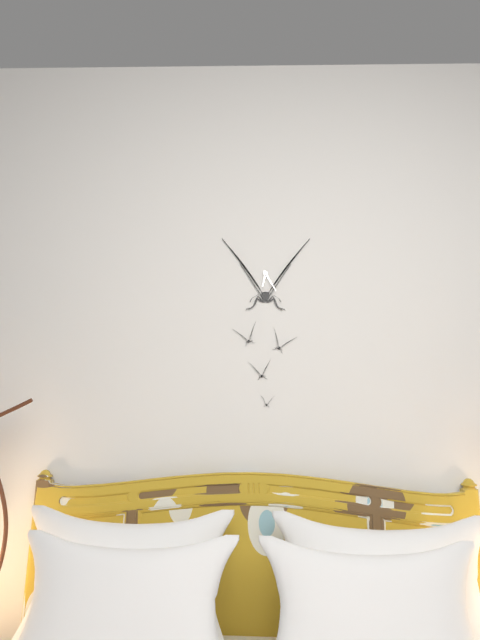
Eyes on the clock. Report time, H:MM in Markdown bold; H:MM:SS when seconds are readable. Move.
**6:25**
